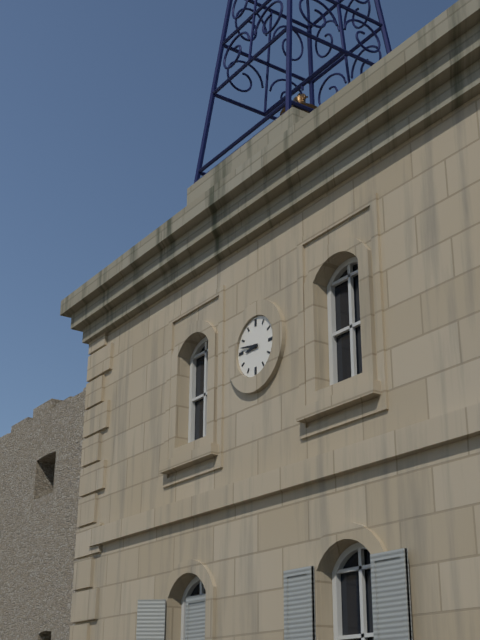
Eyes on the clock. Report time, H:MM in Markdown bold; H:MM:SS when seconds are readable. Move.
**8:47**
